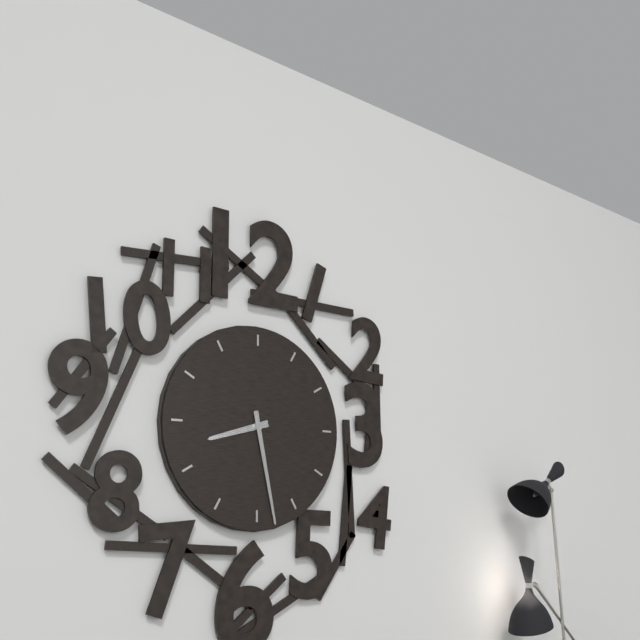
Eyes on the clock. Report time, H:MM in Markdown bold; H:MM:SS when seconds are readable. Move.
**8:28**
